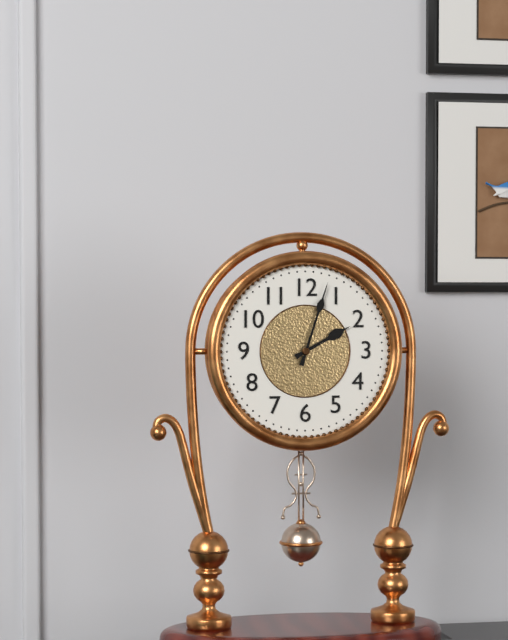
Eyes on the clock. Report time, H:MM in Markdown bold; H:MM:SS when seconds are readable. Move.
**2:03**
